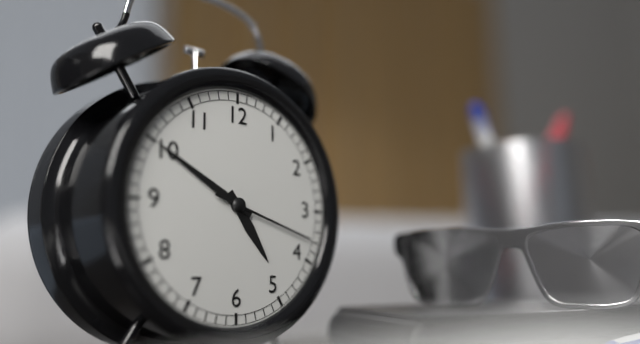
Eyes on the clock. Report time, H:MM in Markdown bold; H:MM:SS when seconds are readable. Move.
**4:50:18**
